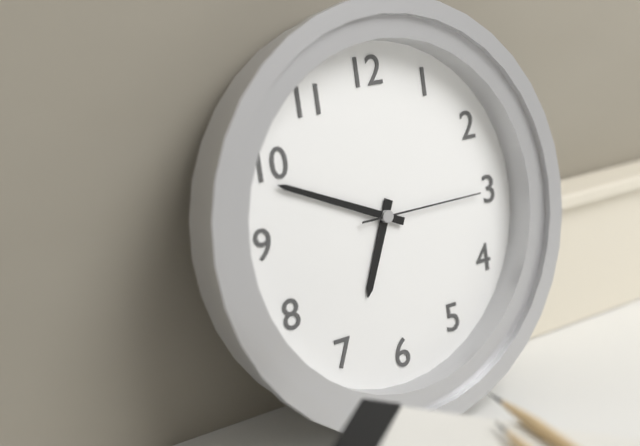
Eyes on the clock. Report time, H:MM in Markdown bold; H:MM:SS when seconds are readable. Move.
**6:49:15**
